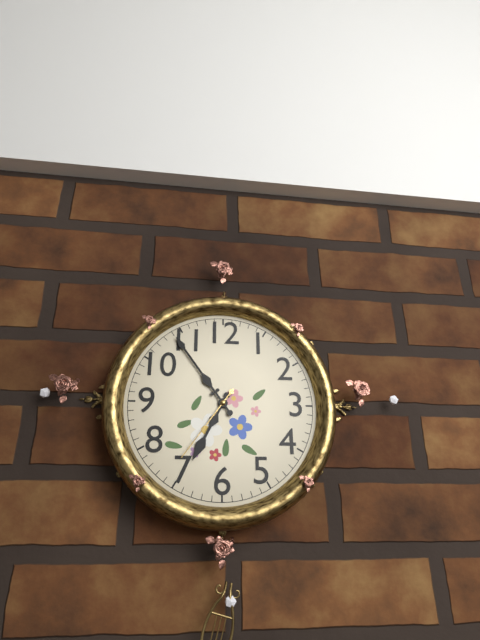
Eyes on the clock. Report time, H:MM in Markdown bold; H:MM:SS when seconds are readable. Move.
**6:54:36**
